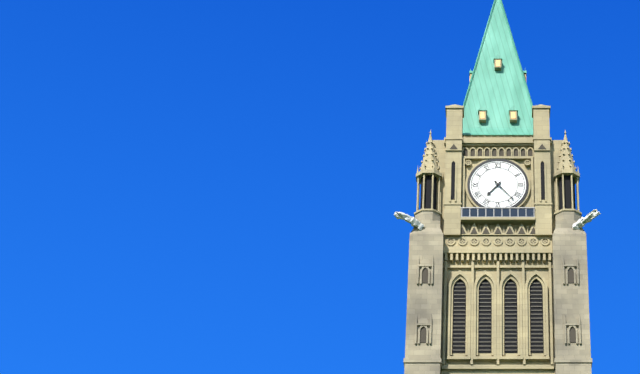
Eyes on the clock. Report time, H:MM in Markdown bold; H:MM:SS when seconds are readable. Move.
**7:23**
